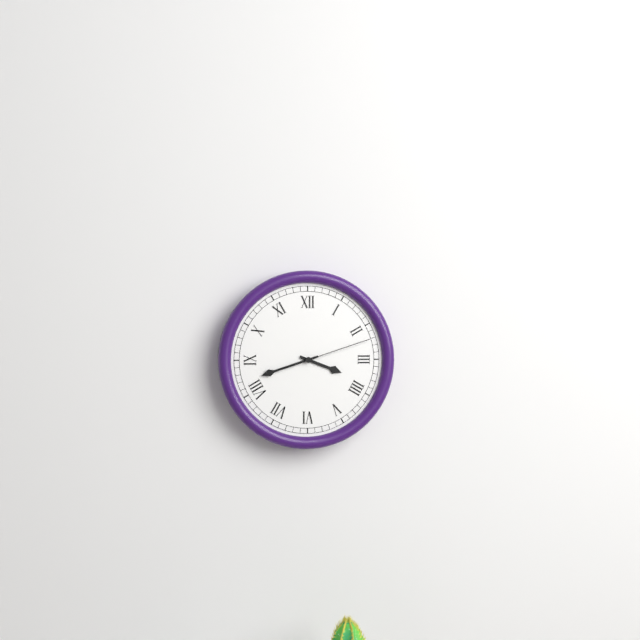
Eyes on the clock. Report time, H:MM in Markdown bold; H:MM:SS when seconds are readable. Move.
**3:42:12**
